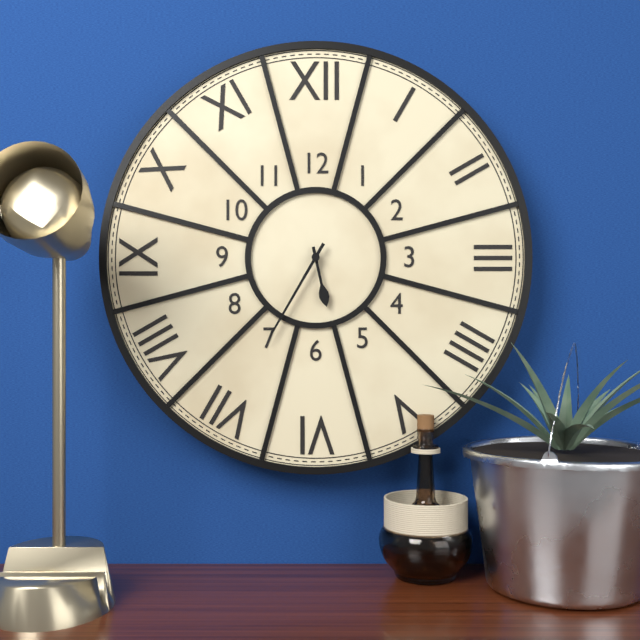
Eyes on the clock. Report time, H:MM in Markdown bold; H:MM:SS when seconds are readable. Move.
**5:35**
